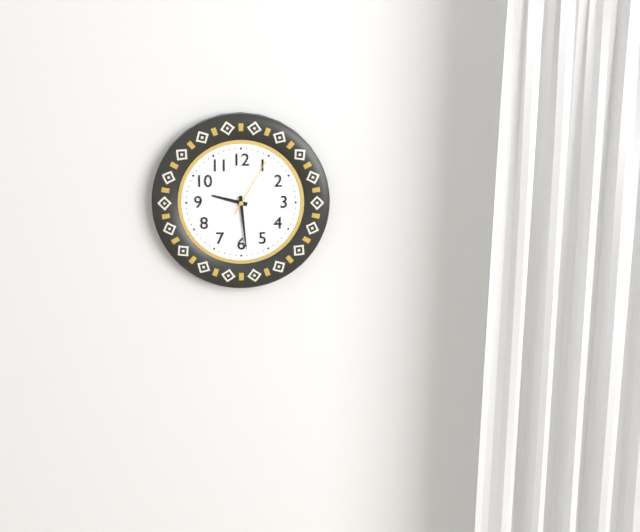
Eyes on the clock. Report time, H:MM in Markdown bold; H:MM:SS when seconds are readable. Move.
**9:29:05**
